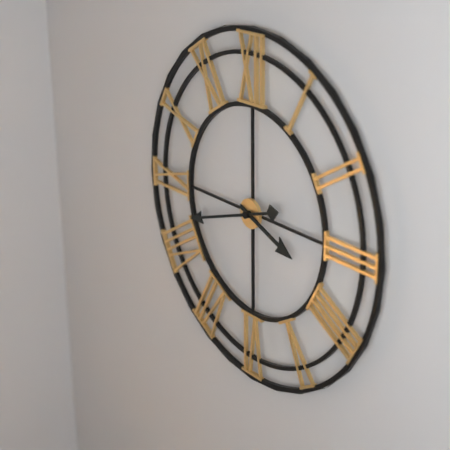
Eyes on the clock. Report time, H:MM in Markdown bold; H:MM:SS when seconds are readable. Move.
**3:42**
